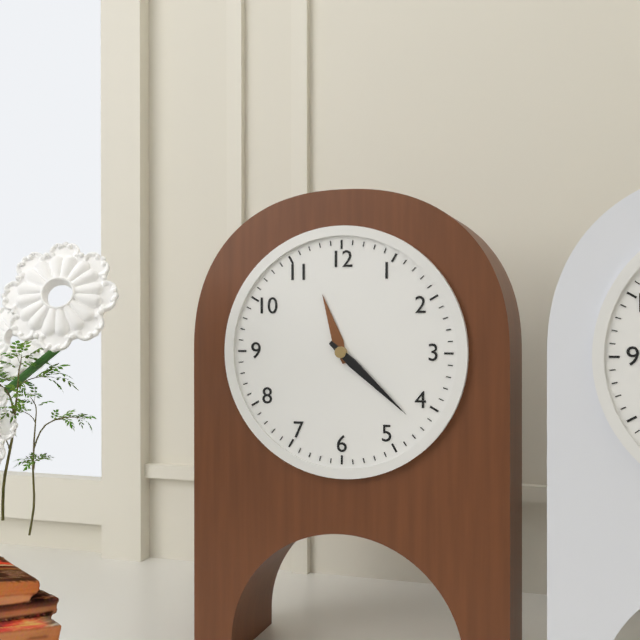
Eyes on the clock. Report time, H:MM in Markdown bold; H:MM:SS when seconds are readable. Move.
**11:22**
